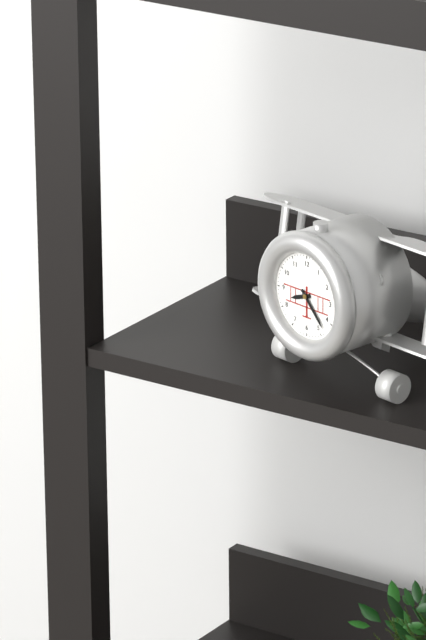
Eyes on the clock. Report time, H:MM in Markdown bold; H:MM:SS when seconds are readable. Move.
**8:23**
